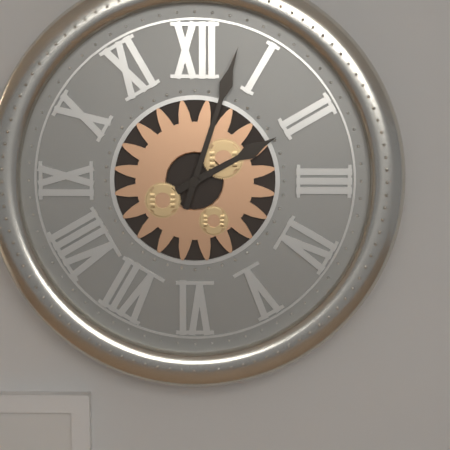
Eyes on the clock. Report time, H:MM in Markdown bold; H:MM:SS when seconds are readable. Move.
**2:03**
